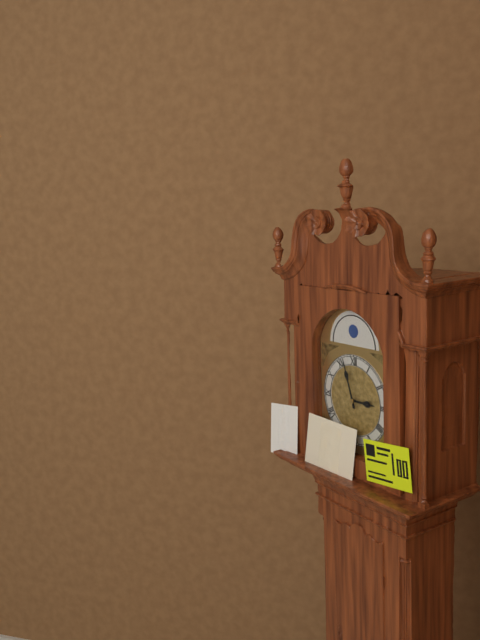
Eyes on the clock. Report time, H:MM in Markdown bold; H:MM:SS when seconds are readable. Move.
**2:57**
